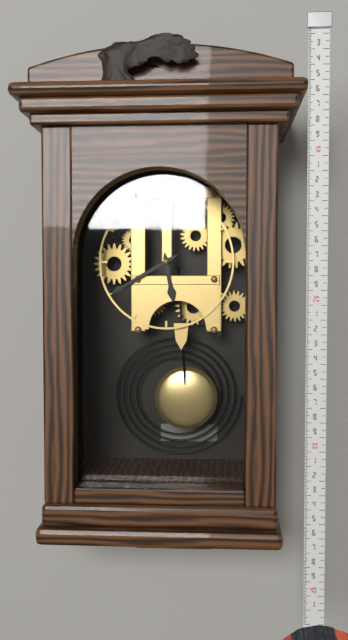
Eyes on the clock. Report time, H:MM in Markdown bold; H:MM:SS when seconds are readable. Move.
**5:40**
